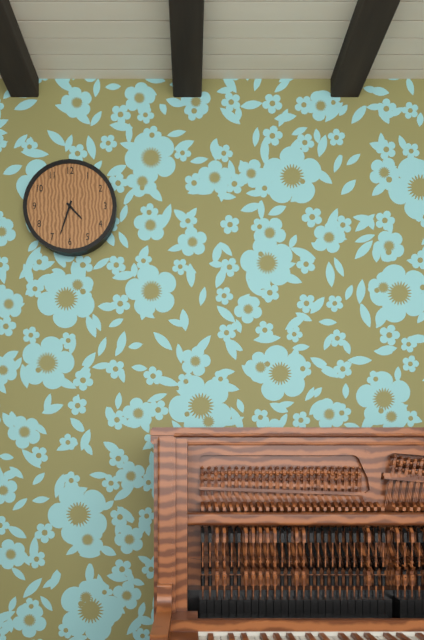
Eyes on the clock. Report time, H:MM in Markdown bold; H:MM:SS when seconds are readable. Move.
**4:33**
